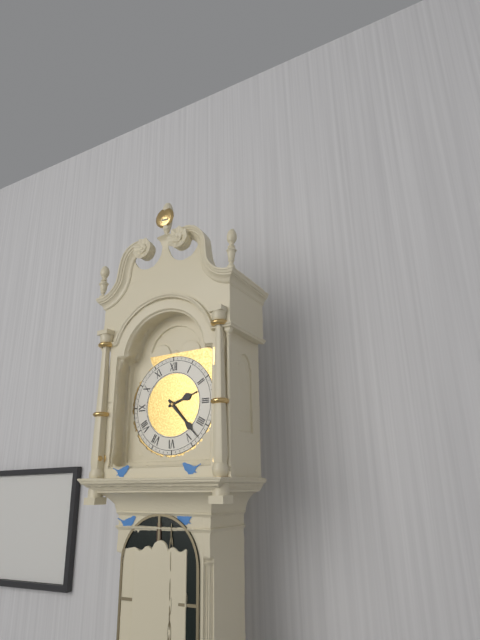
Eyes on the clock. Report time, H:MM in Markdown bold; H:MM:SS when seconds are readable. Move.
**2:23**
